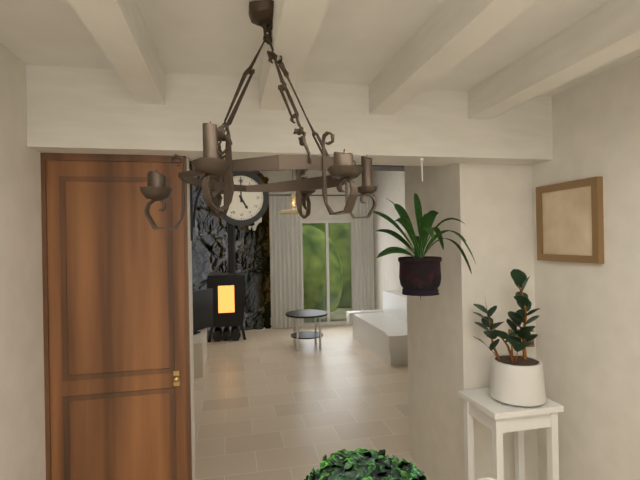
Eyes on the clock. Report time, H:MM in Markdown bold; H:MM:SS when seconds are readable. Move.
**5:00**
